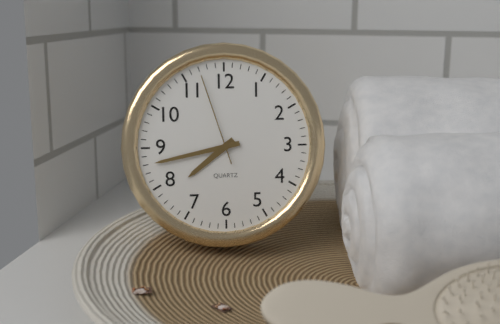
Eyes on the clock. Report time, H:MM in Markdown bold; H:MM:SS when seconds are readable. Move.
**7:43:57**
